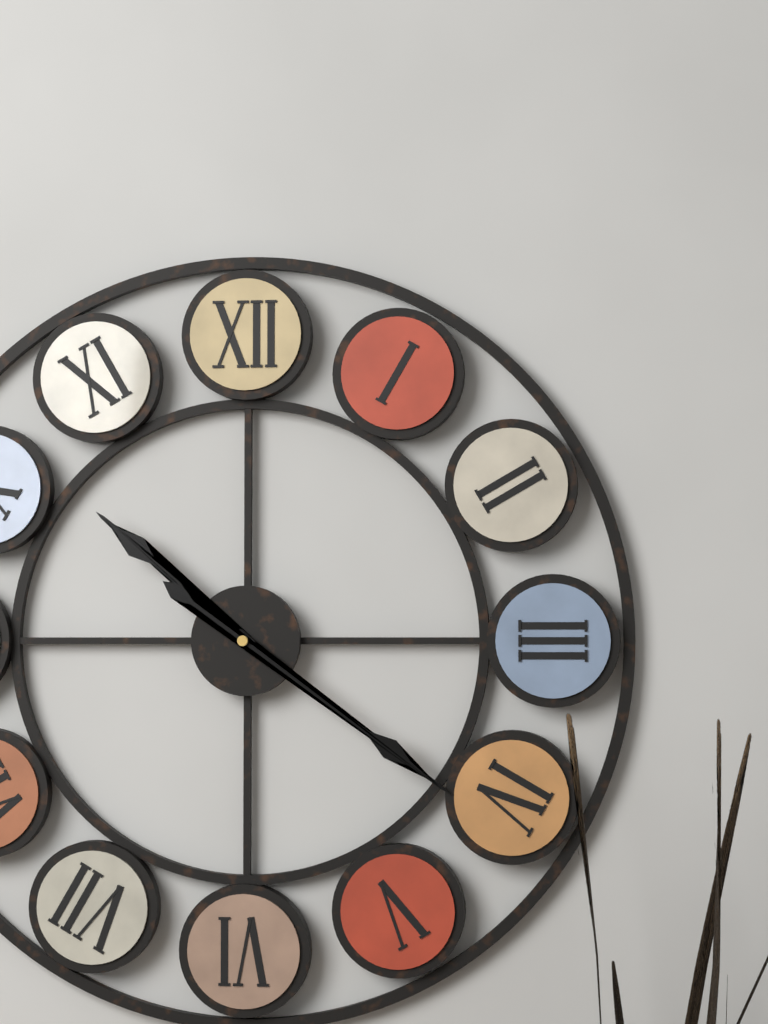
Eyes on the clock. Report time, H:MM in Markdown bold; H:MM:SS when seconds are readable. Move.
**10:21**
